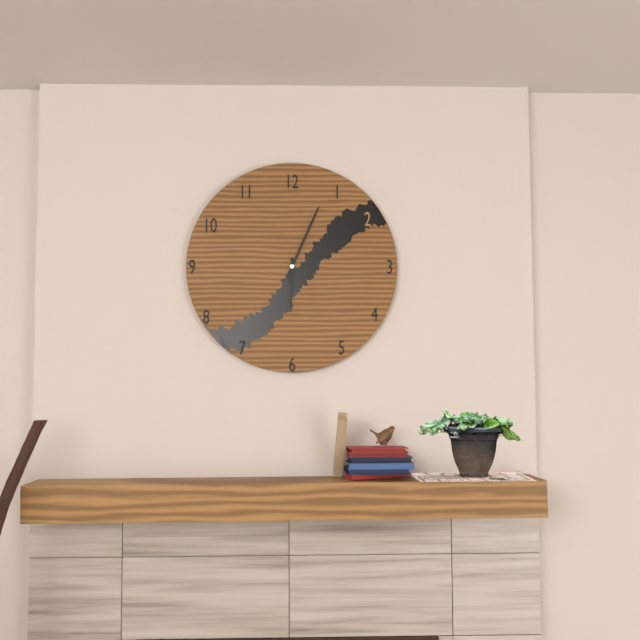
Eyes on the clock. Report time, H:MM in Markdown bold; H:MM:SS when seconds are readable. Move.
**6:04**
